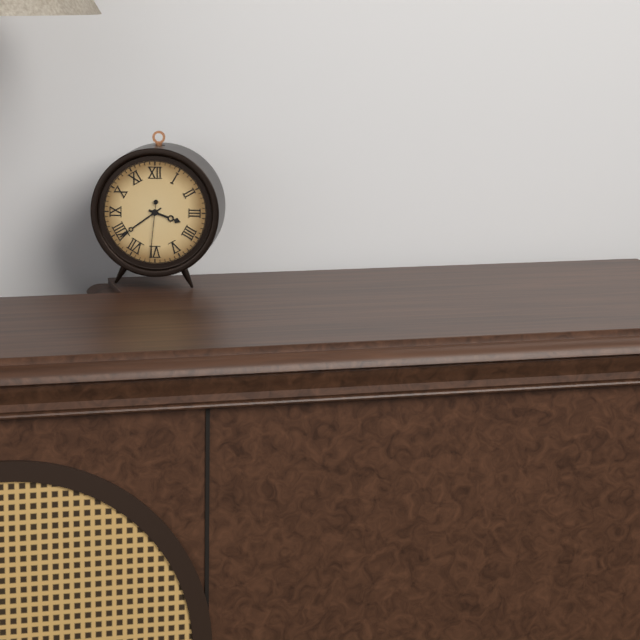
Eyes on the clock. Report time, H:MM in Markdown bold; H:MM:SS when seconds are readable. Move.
**3:39:31**
